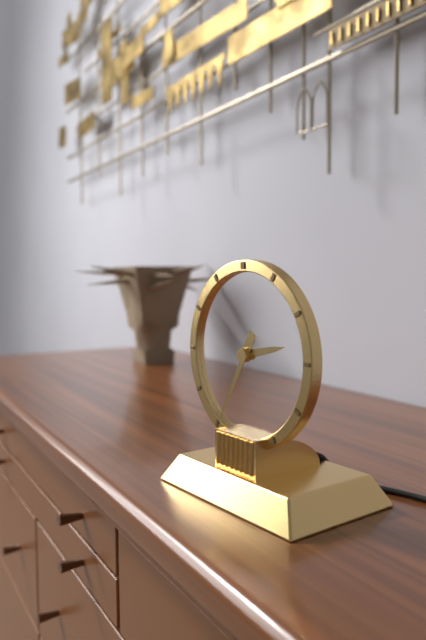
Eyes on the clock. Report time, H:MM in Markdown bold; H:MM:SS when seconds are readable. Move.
**2:35**
